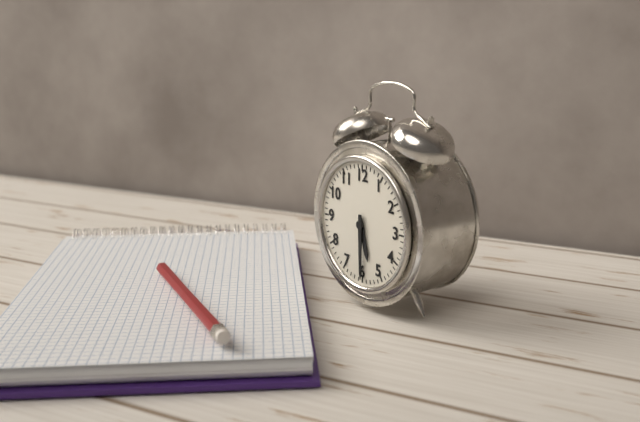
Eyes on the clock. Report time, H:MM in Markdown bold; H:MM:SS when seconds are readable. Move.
**5:30**
